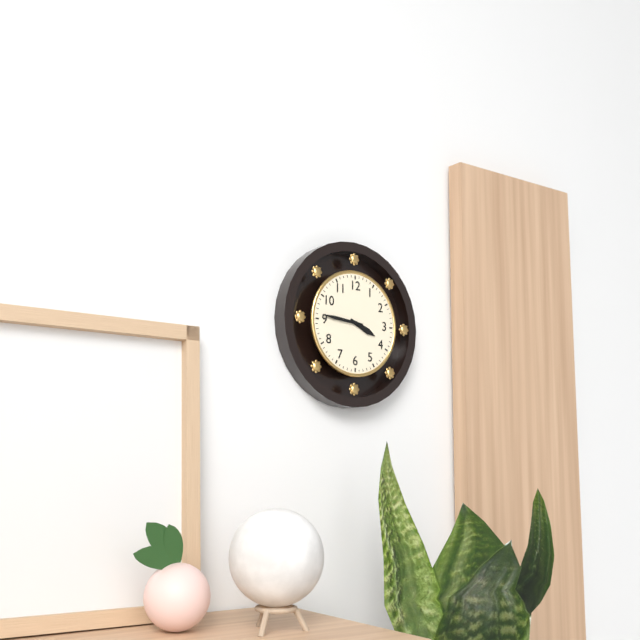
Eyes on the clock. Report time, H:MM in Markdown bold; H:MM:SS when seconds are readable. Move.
**3:46**
